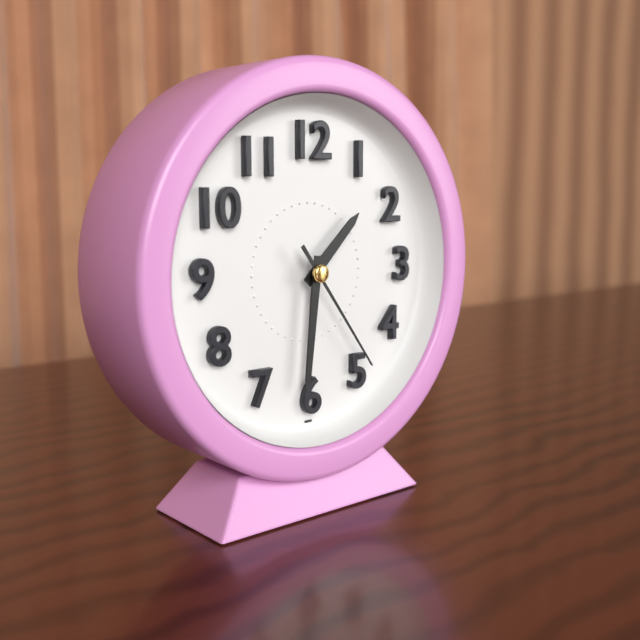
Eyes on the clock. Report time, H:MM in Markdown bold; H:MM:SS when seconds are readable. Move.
**1:31:24**
